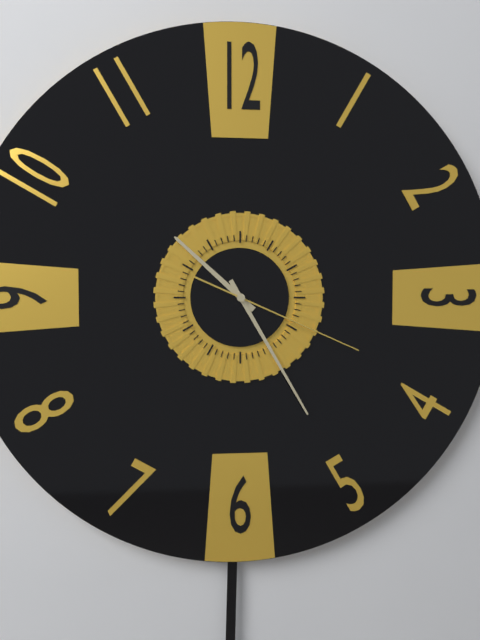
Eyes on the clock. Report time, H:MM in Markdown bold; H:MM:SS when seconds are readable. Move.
**10:25:19**
